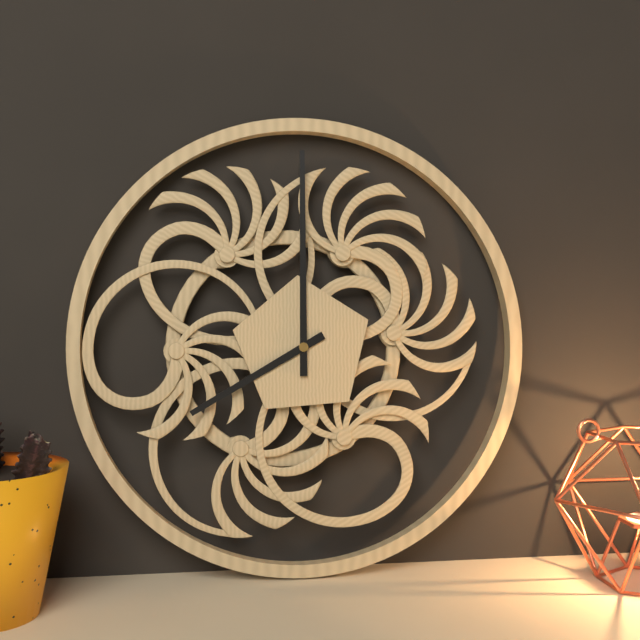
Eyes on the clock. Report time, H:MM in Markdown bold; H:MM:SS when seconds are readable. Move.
**8:00**
